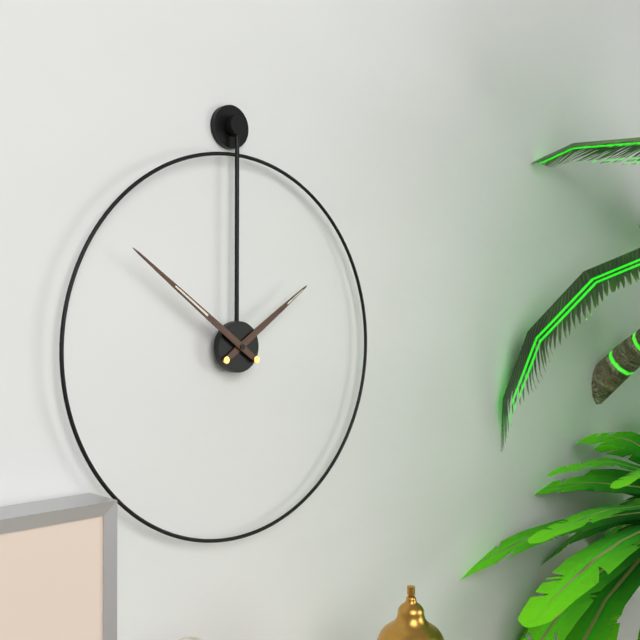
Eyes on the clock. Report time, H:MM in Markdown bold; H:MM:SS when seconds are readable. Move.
**1:51**
